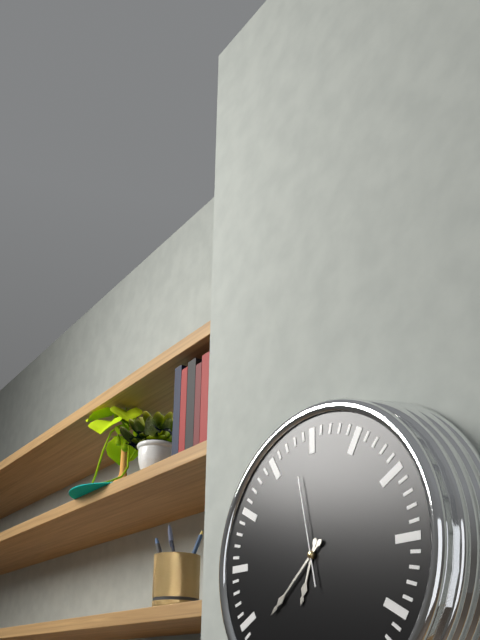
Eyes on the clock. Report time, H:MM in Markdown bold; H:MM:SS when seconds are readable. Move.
**6:38:58**
